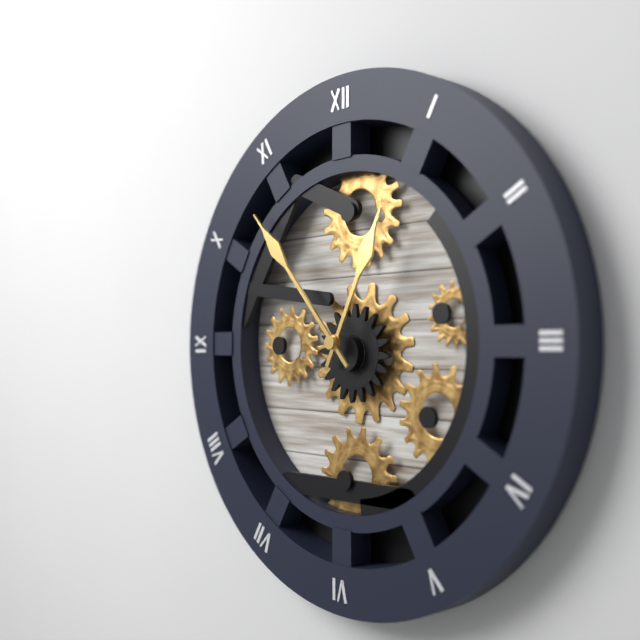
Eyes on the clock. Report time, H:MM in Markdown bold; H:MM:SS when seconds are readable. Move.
**12:53**
